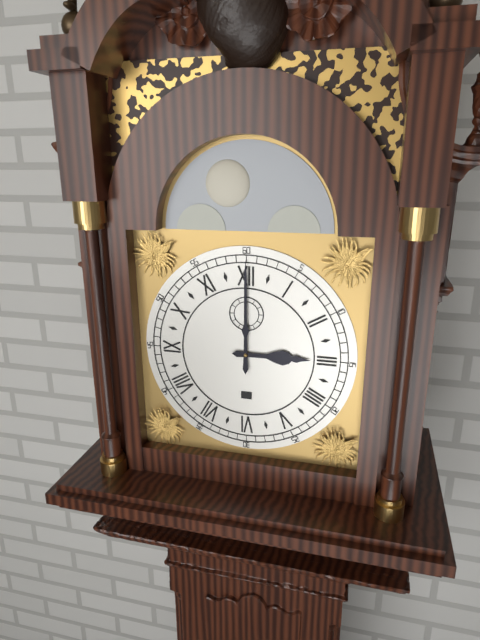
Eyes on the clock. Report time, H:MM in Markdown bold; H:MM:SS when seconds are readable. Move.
**3:00**
